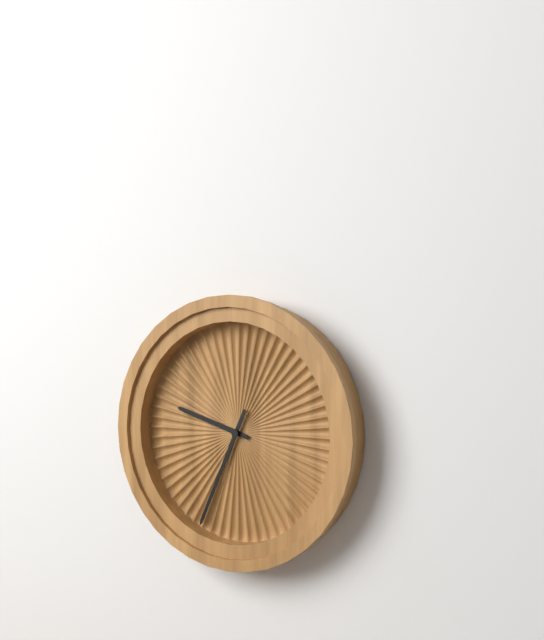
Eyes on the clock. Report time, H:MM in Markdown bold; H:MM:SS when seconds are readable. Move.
**9:34**
